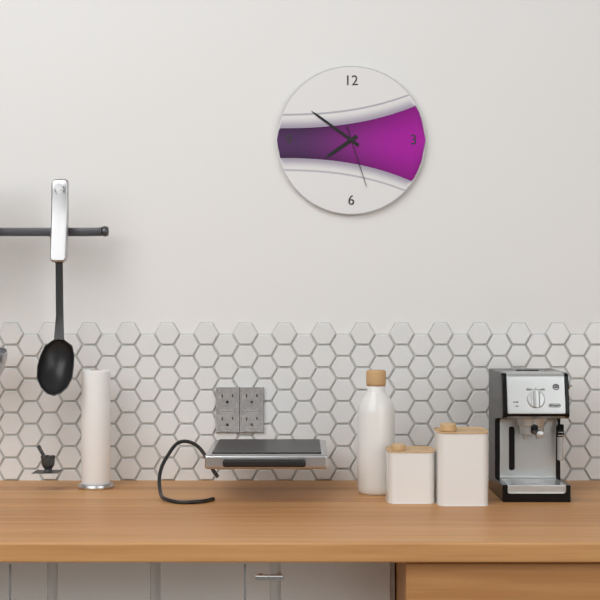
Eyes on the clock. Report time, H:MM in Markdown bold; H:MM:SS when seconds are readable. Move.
**7:51:27**
